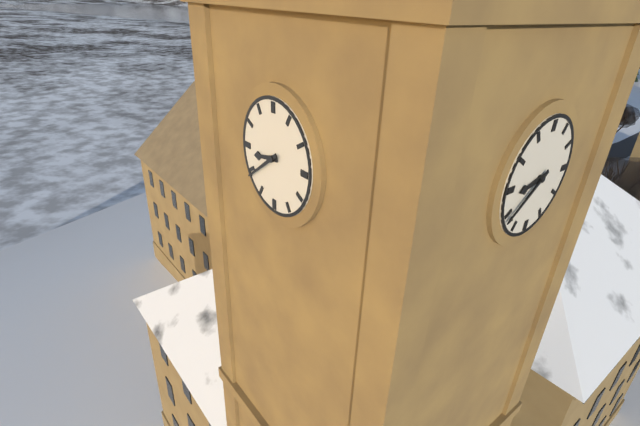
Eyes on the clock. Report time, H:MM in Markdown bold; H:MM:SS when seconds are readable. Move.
**8:39**
